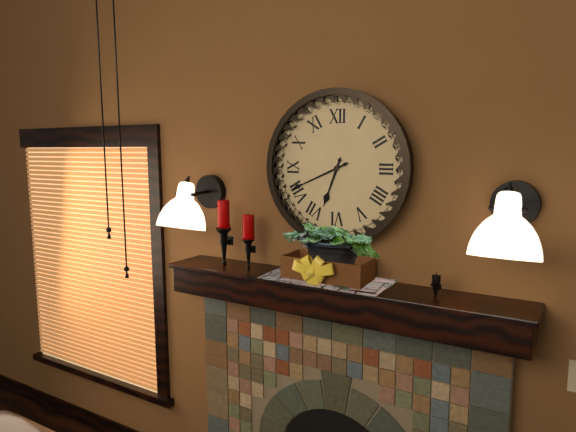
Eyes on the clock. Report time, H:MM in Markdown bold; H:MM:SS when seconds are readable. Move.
**6:41**
